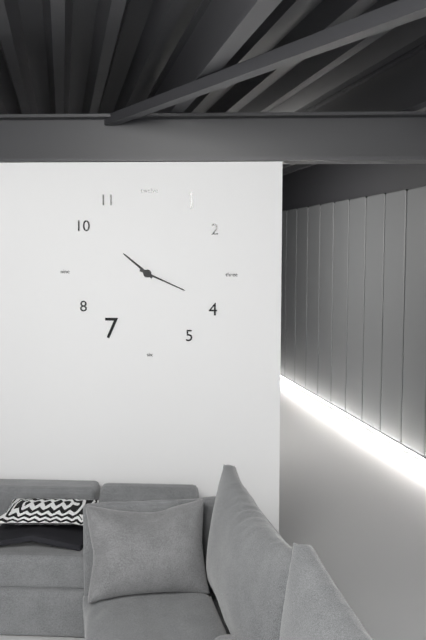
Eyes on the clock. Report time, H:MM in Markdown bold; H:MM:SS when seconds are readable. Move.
**10:19**
